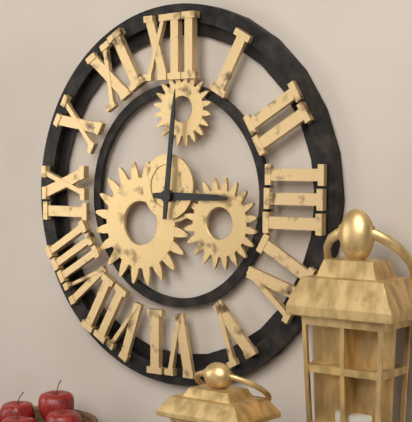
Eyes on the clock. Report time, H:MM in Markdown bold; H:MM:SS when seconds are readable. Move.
**3:01**
